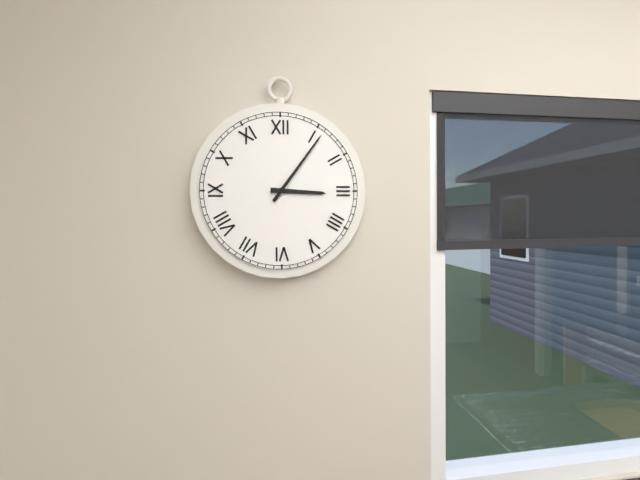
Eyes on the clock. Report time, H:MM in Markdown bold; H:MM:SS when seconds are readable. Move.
**3:06**
